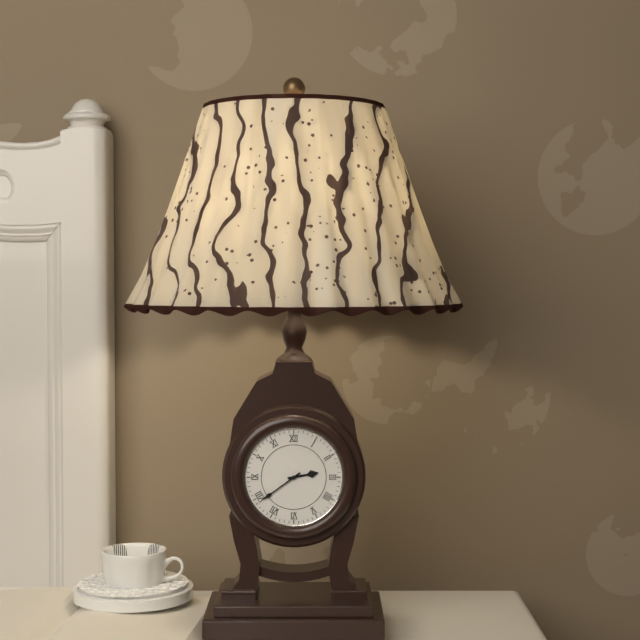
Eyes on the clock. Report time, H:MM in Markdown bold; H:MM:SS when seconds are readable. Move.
**2:39**
